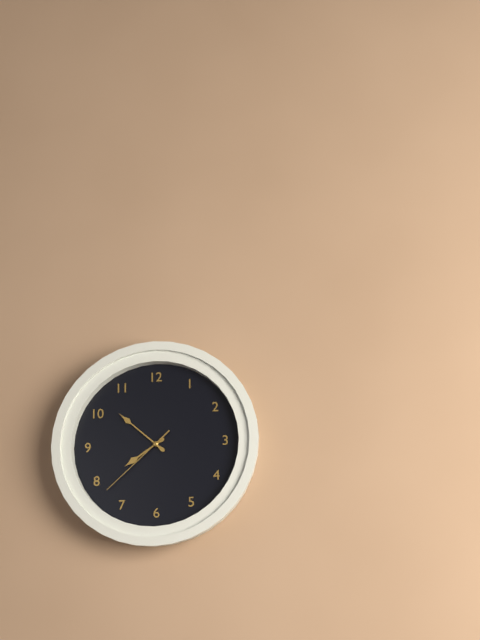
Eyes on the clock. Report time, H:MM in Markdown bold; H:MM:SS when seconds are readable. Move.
**7:52:38**
